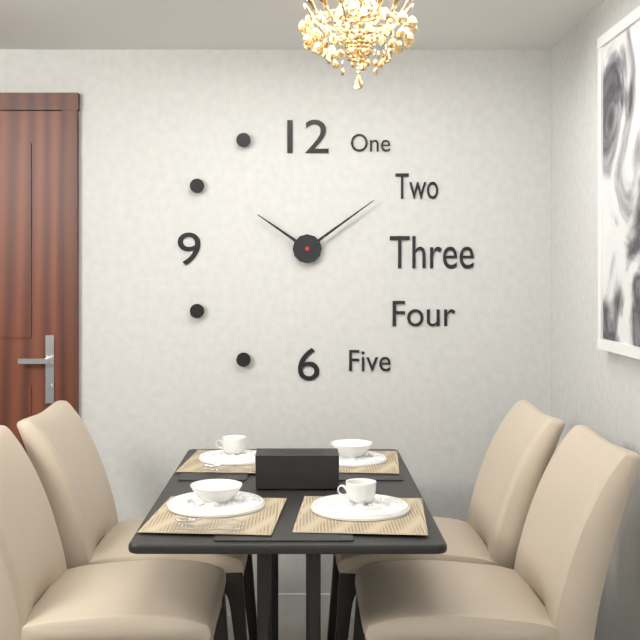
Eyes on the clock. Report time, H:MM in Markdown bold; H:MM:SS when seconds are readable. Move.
**10:09**
